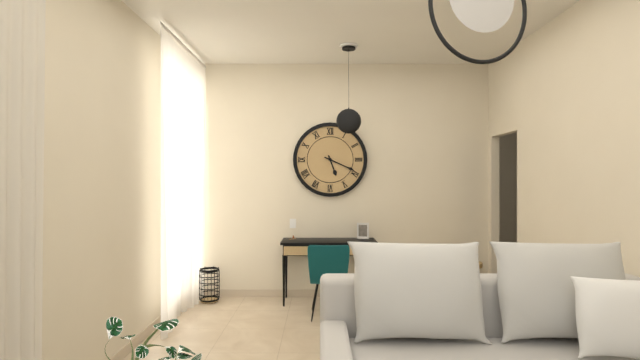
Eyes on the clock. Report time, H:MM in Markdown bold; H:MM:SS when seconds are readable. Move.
**5:19**
